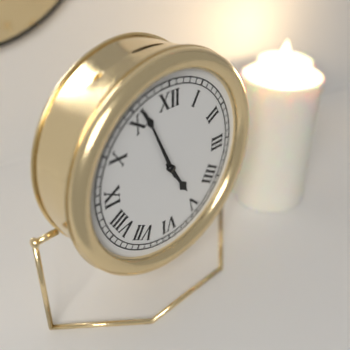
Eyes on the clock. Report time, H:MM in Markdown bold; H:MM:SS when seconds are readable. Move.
**4:56**
